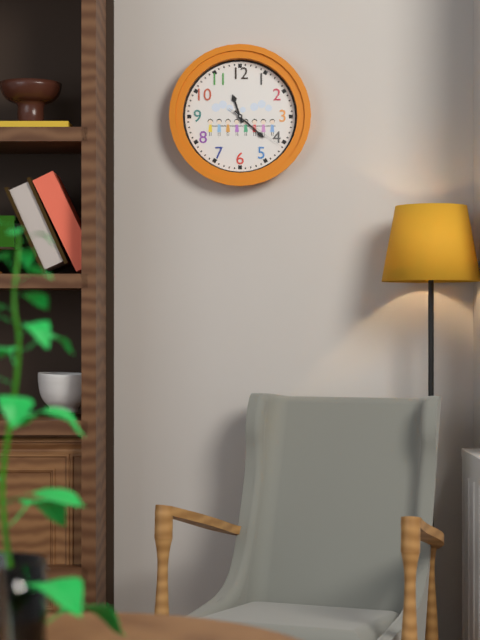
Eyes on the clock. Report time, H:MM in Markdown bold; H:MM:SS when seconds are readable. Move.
**11:22:21**
